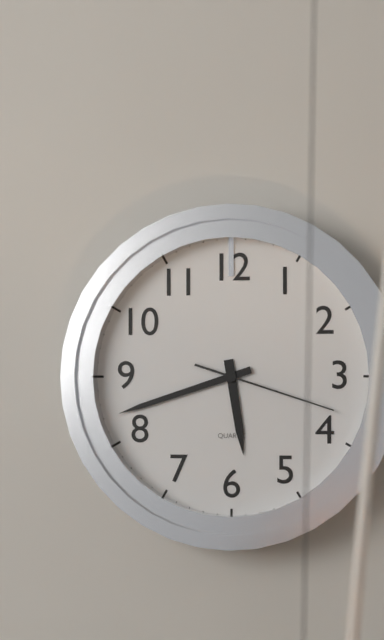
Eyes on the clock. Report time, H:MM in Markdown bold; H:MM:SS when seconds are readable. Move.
**5:42:18**
